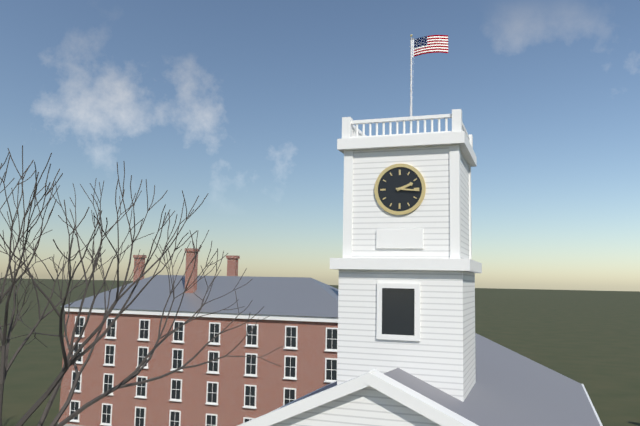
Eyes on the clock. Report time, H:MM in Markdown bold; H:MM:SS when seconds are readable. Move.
**2:16**
